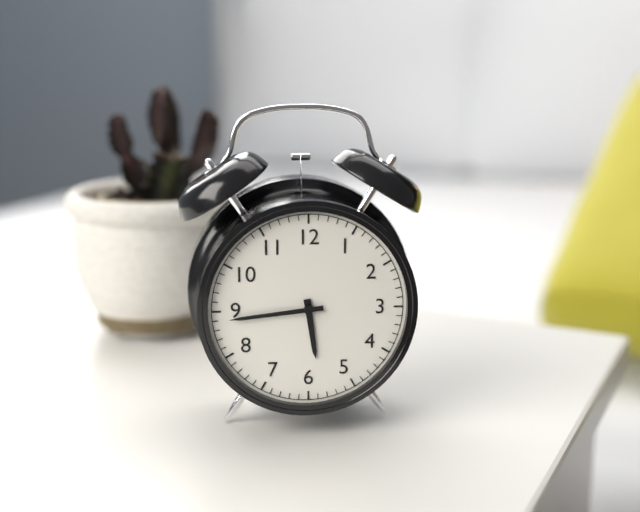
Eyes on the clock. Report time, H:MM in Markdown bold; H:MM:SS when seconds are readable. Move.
**5:44**
